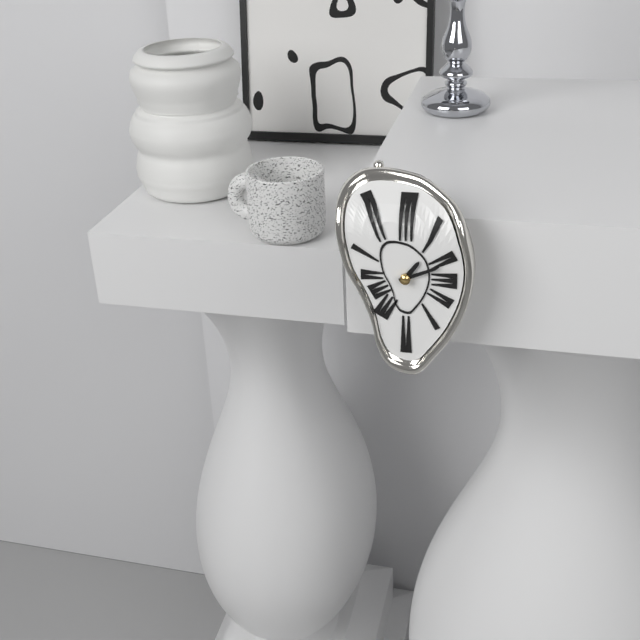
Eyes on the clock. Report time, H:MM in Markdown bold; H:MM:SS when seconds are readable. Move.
**1:11**
